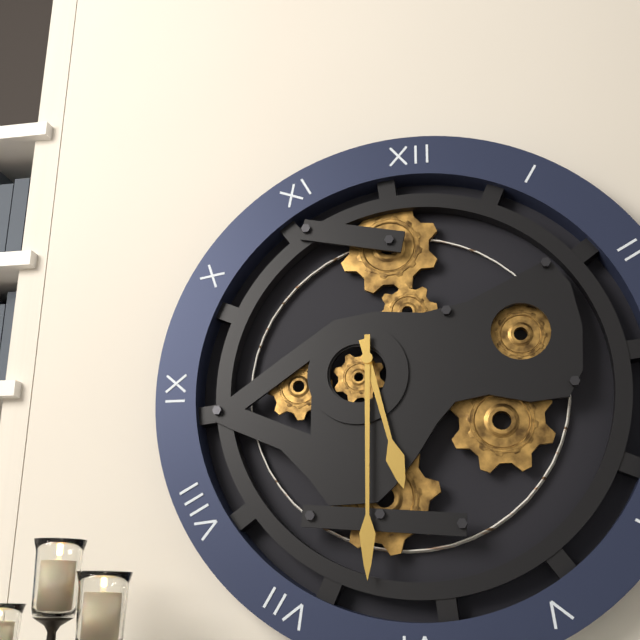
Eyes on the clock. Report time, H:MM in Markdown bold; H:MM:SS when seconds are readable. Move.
**5:30**
